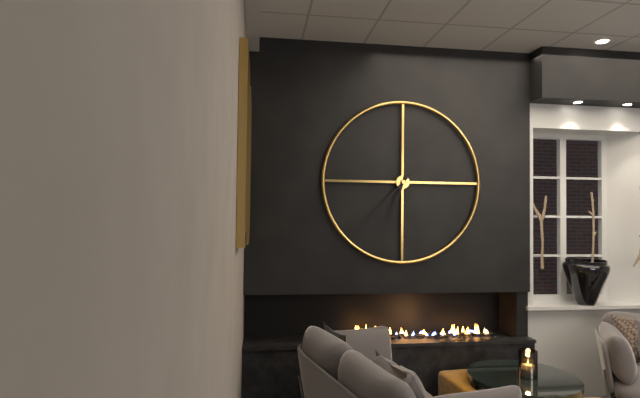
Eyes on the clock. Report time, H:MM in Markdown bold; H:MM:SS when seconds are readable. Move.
**6:37**
